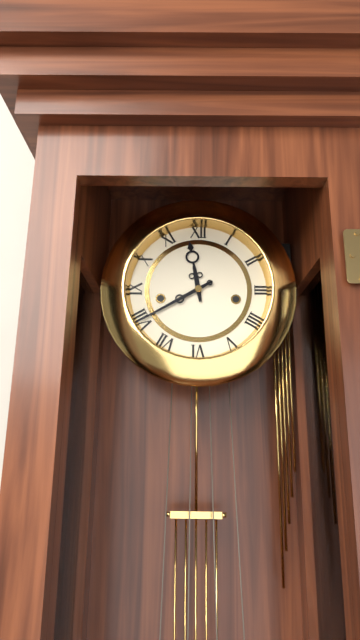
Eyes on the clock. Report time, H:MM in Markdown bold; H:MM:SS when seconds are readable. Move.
**11:40**
